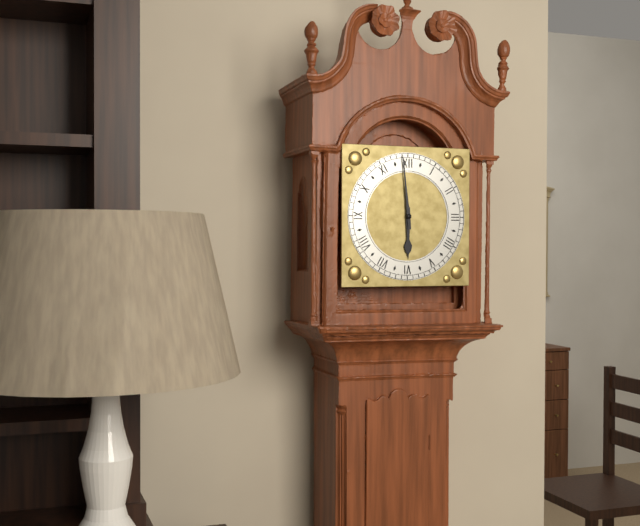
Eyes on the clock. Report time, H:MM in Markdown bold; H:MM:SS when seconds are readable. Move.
**5:59**
